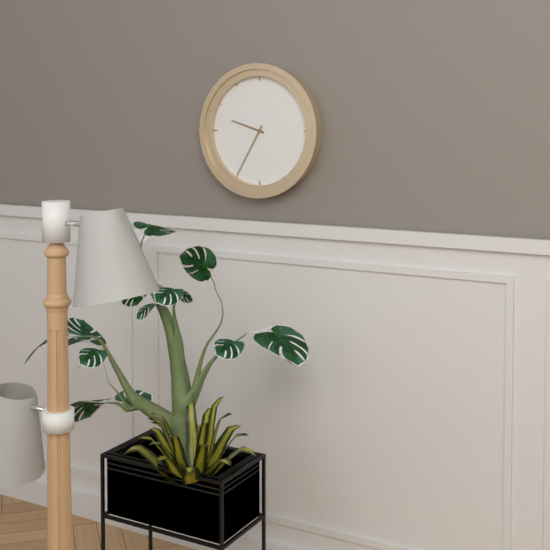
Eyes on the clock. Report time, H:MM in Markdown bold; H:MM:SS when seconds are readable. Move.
**9:35**
